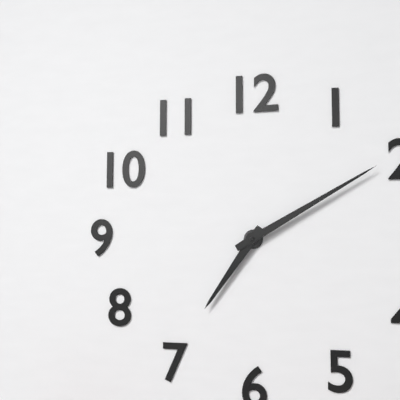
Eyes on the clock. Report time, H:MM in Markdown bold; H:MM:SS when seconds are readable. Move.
**7:10**
